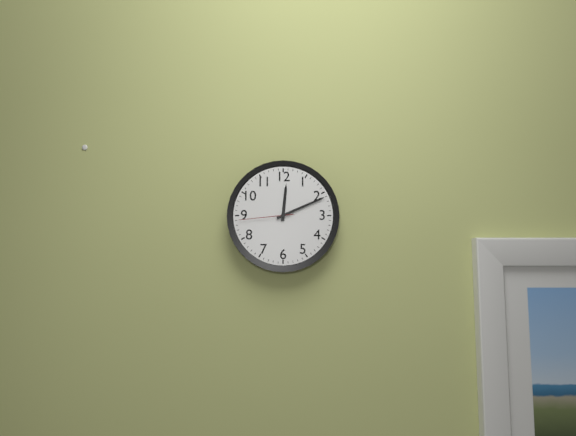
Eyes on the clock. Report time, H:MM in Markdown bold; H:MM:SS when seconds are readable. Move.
**12:11:44**
